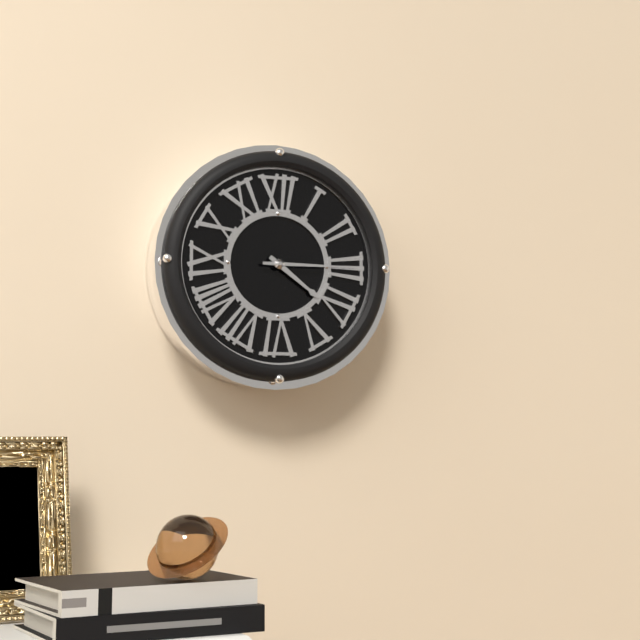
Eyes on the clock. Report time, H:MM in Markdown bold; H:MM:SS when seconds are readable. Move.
**4:15**
